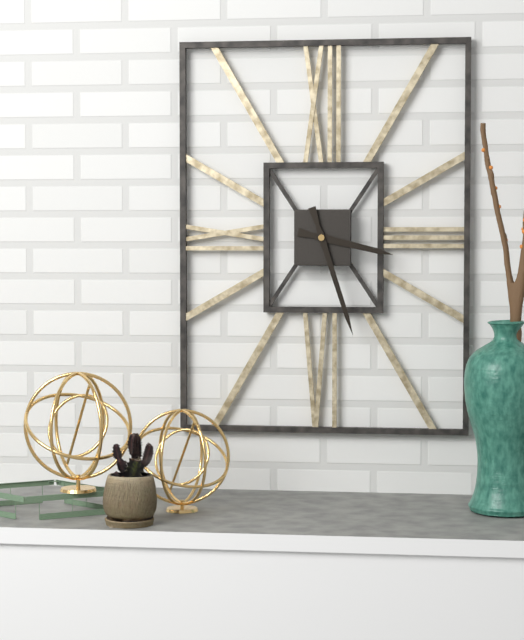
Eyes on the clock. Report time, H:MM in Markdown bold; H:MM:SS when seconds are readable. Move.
**3:27**
